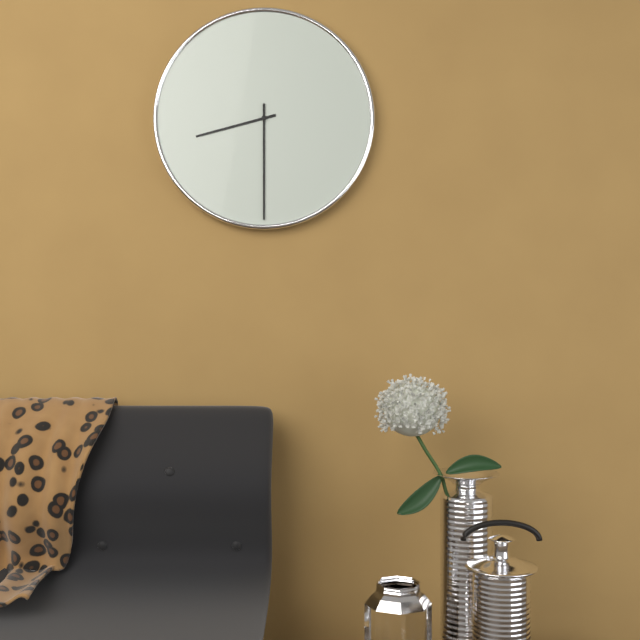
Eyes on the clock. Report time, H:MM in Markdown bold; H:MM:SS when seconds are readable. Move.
**8:30**
